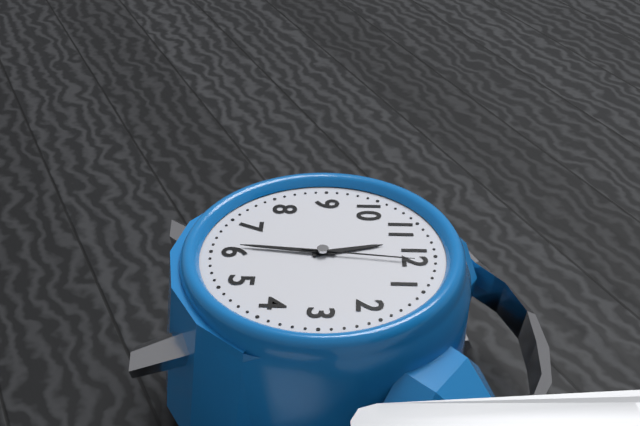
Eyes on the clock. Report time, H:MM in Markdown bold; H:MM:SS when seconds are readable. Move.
**11:31:01**
